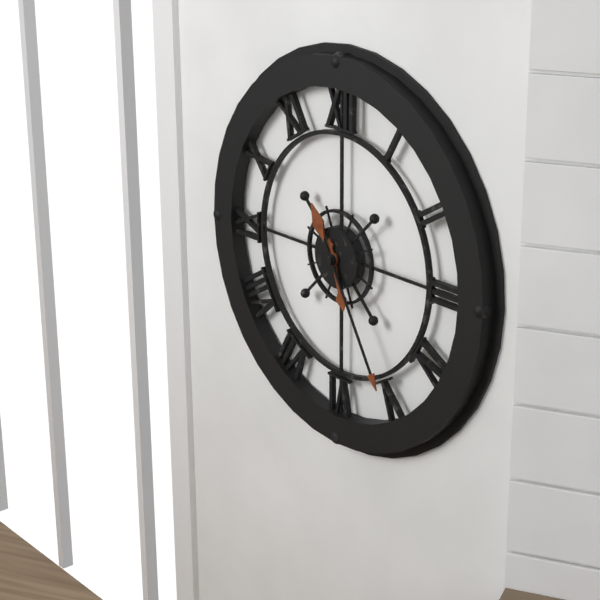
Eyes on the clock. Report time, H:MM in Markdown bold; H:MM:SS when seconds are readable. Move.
**5:25**
